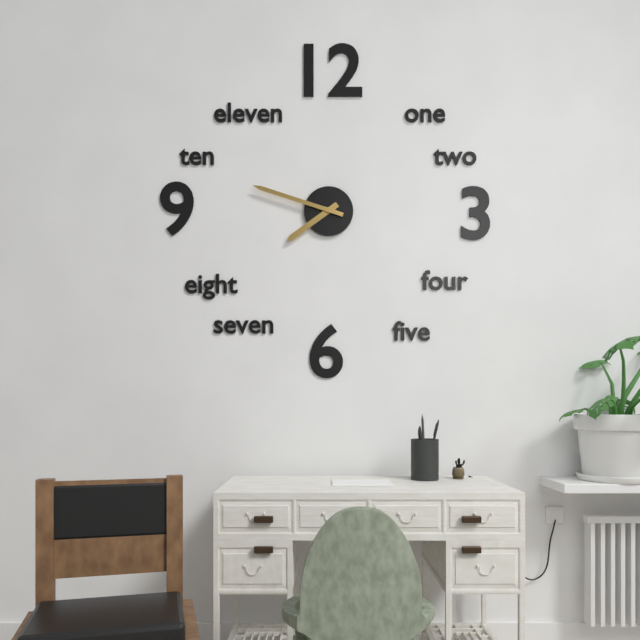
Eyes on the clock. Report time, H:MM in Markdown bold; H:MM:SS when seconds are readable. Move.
**7:48**
